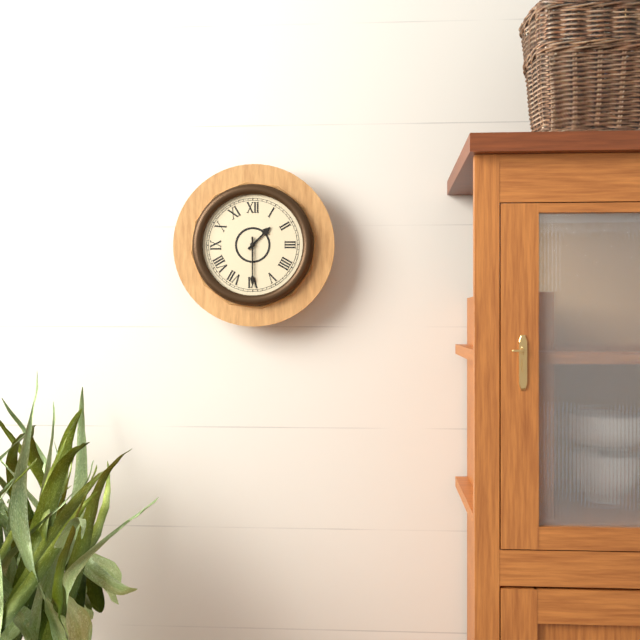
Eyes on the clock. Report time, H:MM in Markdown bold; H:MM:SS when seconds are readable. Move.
**1:30**
